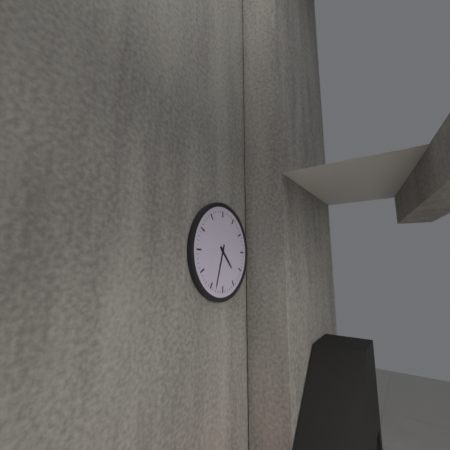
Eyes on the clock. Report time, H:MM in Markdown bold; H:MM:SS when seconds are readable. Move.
**4:33**
